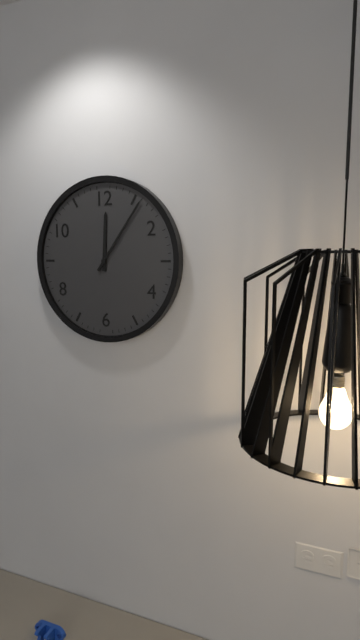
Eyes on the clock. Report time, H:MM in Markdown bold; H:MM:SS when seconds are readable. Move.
**12:06**
